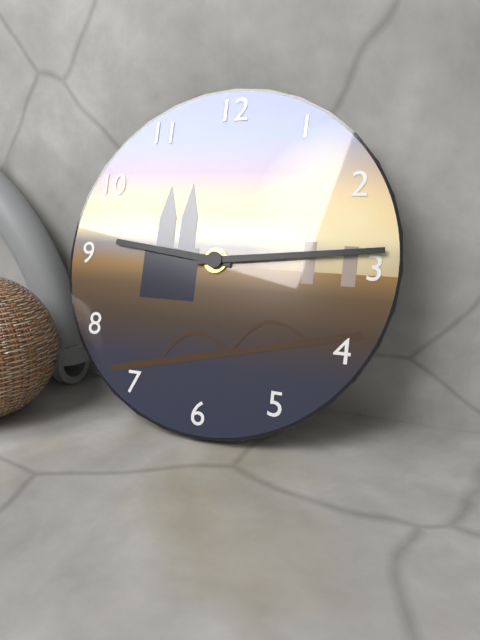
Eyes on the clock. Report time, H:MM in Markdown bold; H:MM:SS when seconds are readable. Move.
**9:14**
